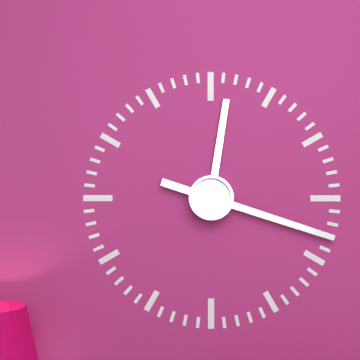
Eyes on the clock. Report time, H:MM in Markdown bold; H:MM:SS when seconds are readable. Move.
**12:18**
